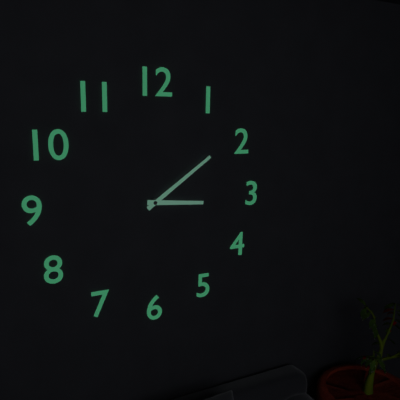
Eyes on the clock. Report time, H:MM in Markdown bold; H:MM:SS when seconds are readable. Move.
**3:09**
